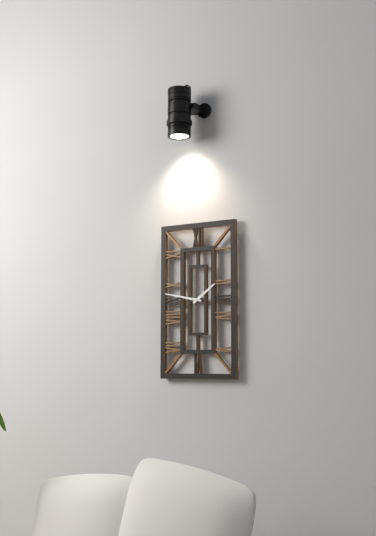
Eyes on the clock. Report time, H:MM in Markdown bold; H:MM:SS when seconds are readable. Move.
**1:47**
